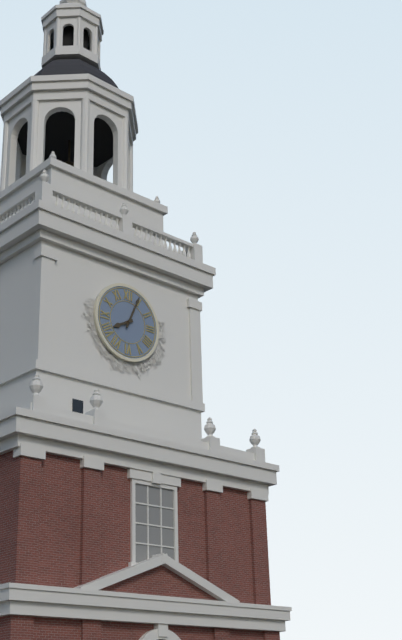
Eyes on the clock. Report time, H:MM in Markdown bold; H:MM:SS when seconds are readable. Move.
**8:04**
